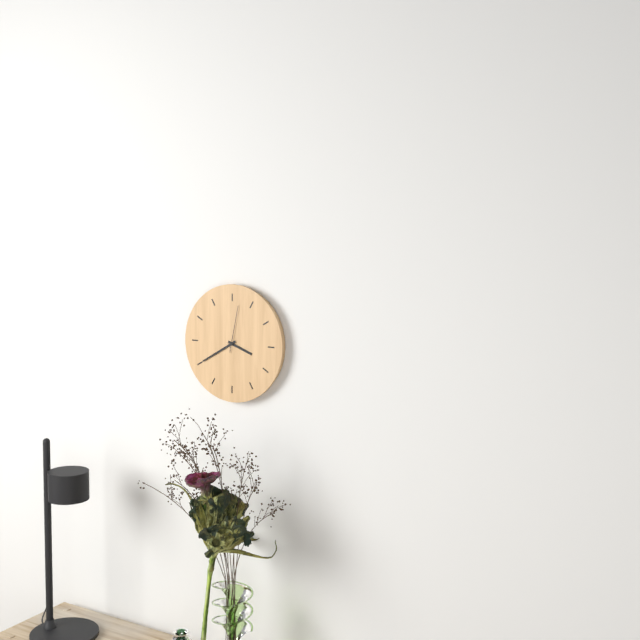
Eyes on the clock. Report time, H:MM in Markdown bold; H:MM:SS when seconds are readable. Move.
**3:40**
